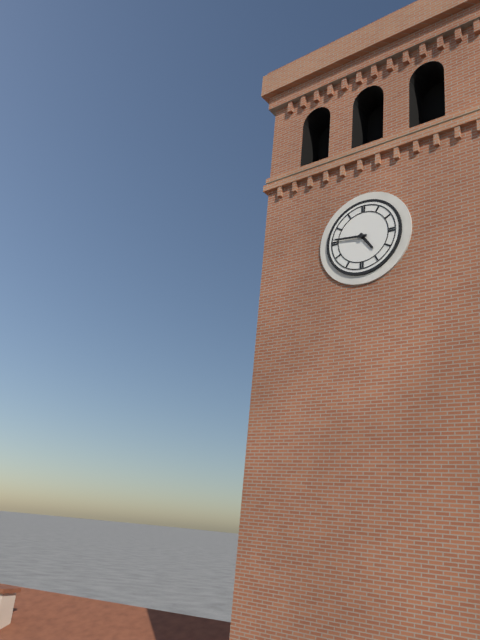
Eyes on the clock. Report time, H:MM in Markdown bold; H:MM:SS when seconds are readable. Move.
**4:46**
